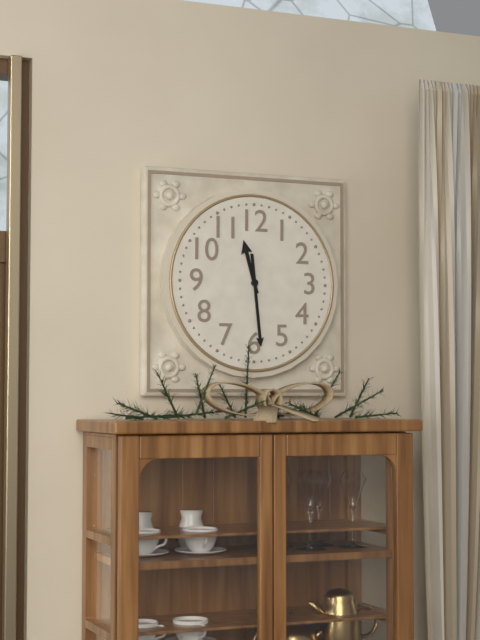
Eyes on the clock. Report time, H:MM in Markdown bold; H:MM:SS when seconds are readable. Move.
**11:29**
